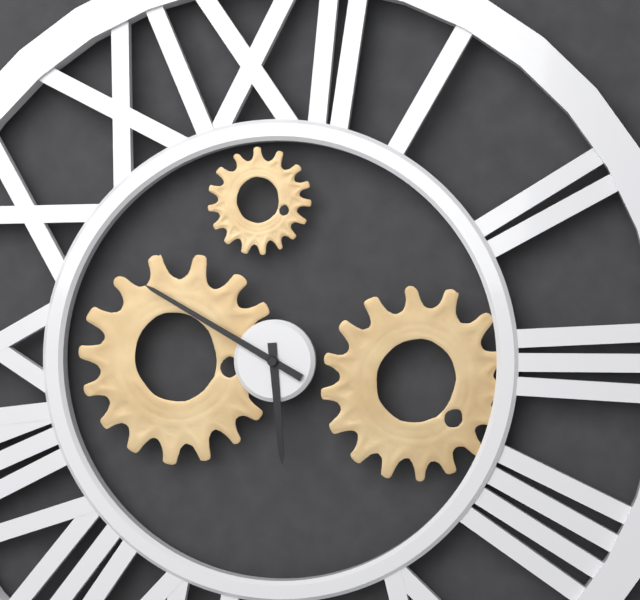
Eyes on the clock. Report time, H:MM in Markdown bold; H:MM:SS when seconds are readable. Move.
**5:50**
